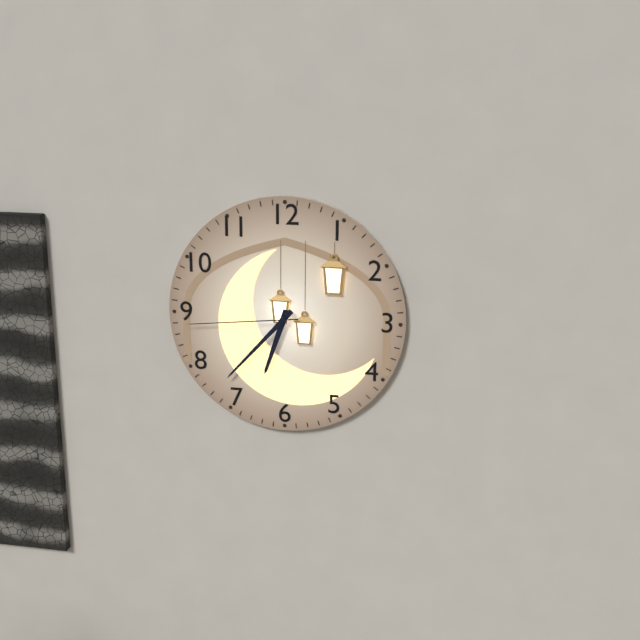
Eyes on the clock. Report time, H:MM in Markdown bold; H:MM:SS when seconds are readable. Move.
**6:37:44**
